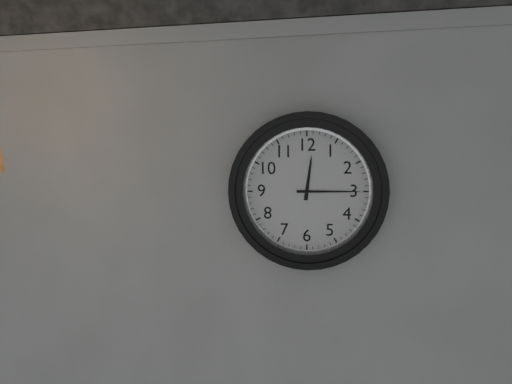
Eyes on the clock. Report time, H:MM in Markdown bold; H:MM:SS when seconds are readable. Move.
**12:15**
